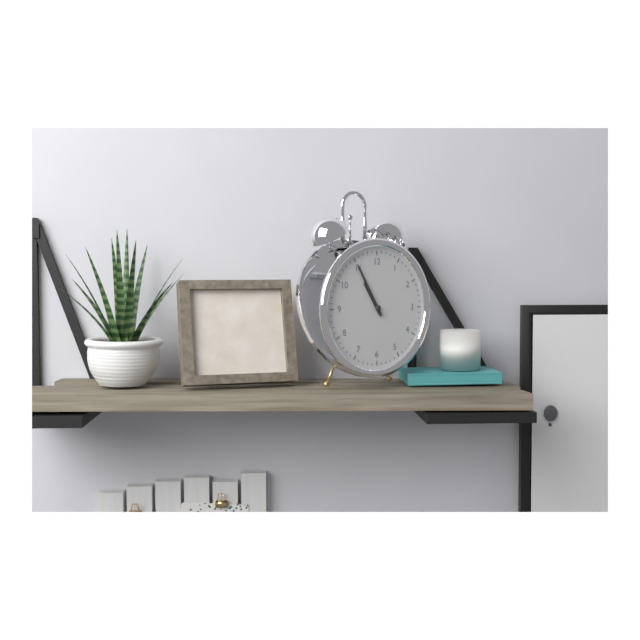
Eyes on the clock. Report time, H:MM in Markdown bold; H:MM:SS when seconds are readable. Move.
**10:55**
